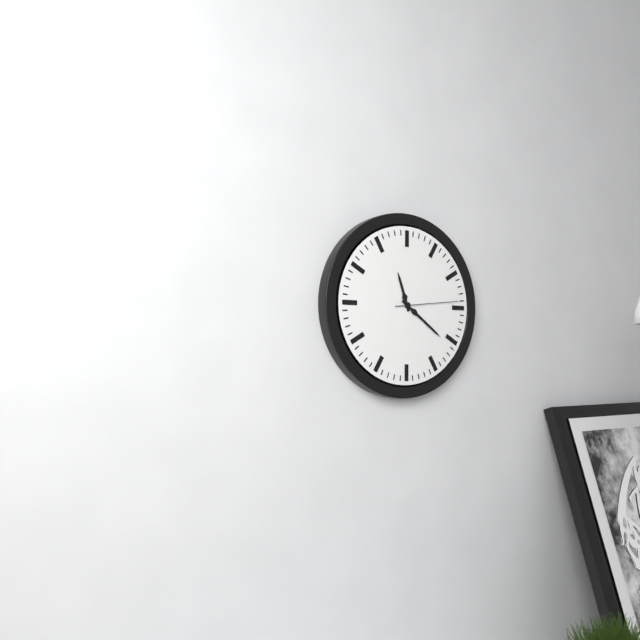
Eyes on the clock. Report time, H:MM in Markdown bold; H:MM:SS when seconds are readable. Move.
**11:21:14**
